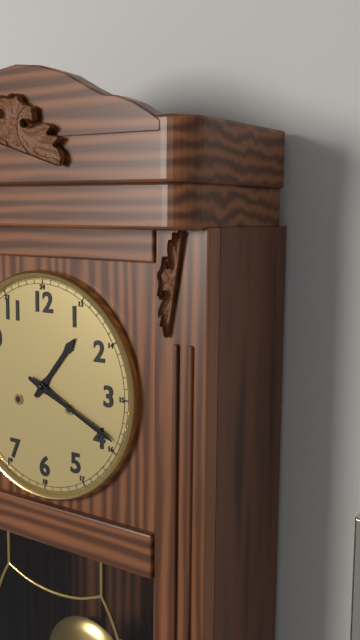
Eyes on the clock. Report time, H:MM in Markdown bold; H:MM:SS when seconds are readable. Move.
**1:19**
